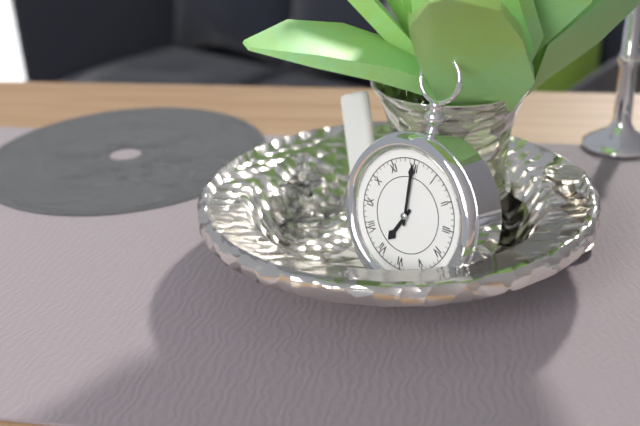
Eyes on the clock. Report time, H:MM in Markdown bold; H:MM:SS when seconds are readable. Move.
**7:00**
